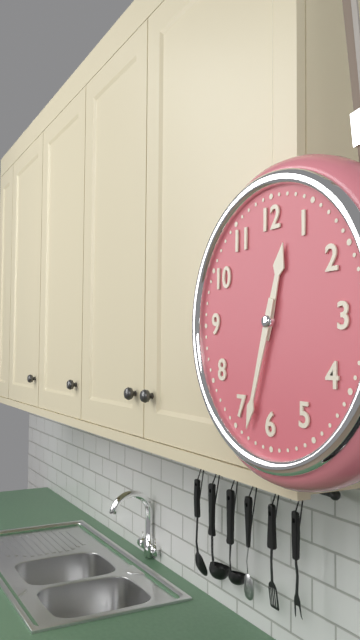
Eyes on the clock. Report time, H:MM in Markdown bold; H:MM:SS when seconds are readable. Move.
**12:33**
